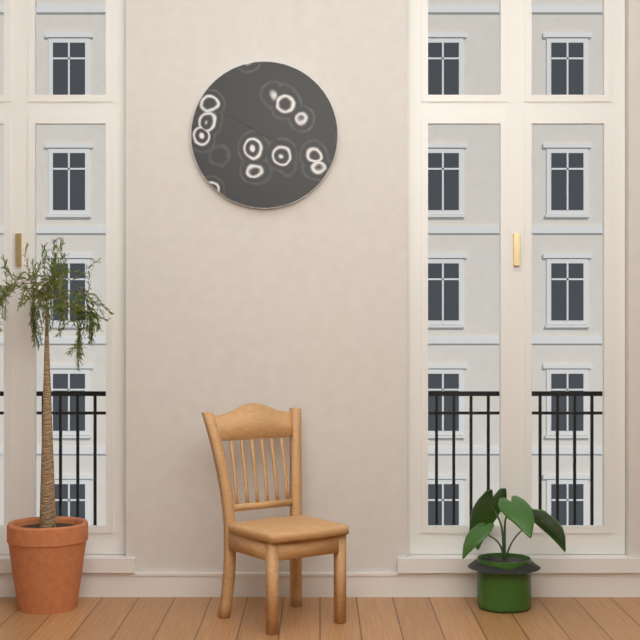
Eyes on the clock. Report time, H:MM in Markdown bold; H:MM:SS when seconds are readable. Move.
**3:50**
